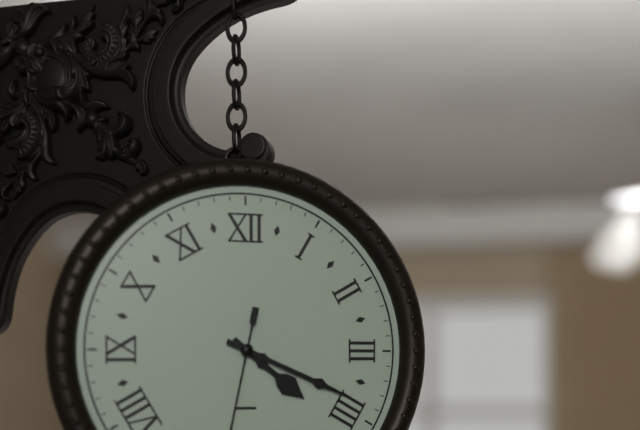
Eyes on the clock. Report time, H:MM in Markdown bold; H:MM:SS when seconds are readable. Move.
**4:19**
